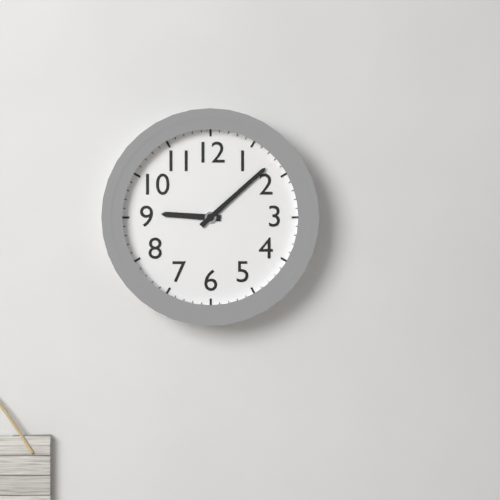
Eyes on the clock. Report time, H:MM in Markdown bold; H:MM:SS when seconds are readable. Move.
**9:08**
